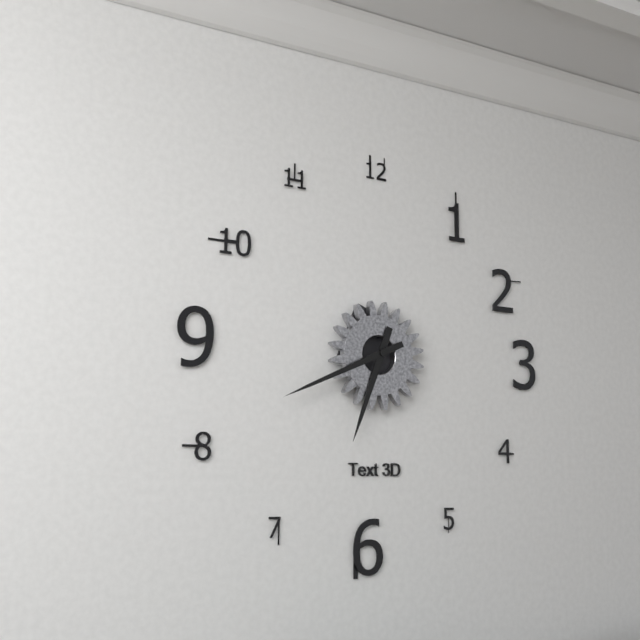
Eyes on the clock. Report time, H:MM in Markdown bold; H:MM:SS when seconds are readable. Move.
**6:41**
